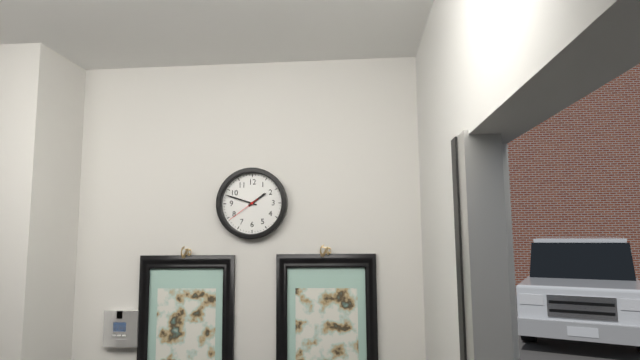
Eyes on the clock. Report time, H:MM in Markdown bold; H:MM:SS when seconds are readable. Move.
**1:48**
